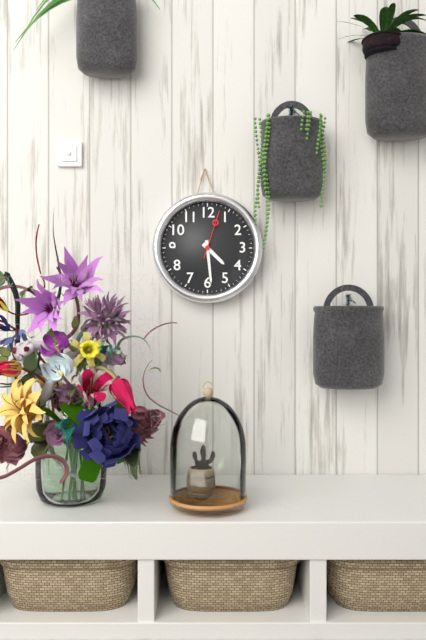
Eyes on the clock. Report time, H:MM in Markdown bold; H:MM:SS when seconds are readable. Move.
**4:29:03**
